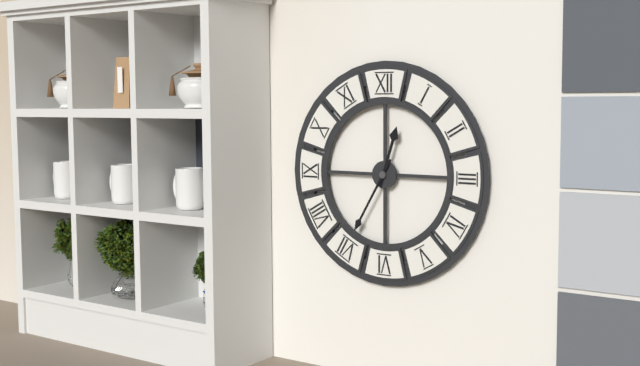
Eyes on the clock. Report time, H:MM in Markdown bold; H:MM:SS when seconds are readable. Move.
**12:35**
